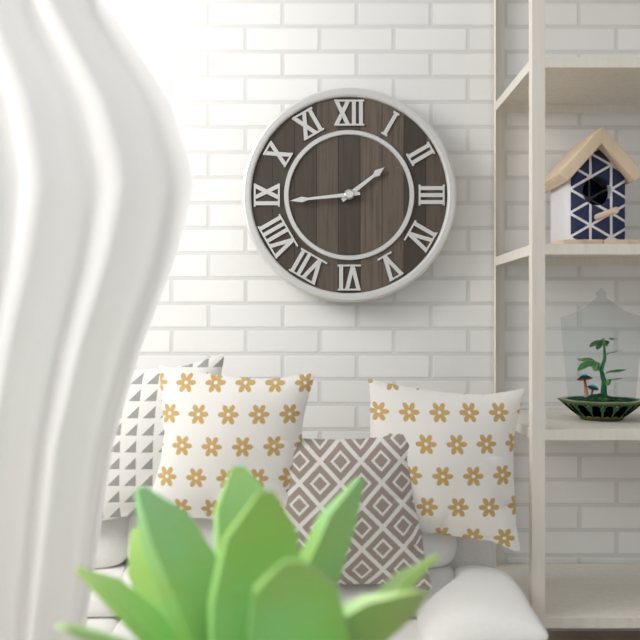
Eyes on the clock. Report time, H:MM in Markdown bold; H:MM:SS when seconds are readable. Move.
**1:44**
